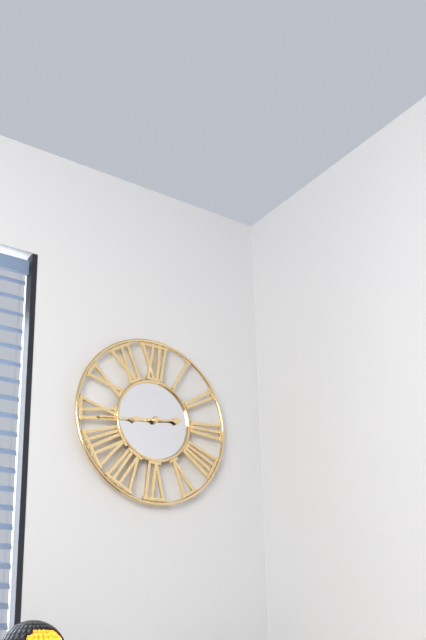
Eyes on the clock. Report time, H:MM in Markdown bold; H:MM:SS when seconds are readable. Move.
**2:44**
